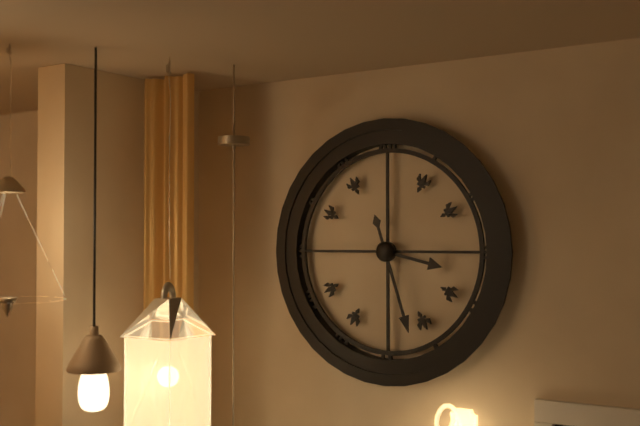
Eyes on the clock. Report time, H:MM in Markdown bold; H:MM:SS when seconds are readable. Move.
**3:27**
